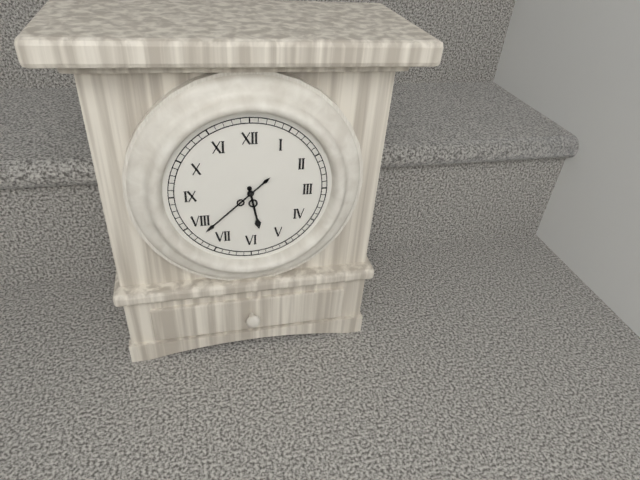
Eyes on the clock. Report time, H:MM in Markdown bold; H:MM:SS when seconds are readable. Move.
**5:38**
